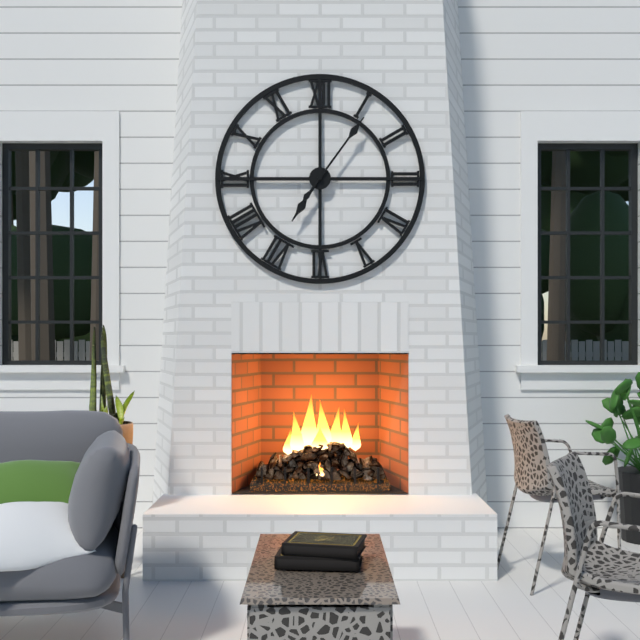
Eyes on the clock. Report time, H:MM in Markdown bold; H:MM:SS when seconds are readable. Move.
**7:06**
